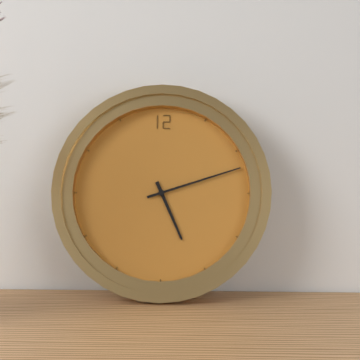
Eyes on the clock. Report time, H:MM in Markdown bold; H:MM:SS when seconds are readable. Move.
**5:12**
